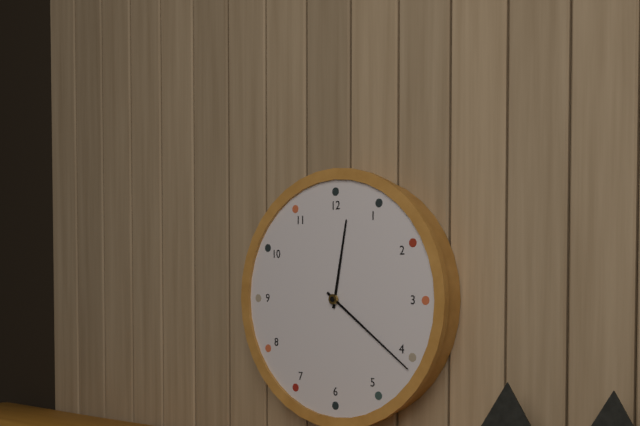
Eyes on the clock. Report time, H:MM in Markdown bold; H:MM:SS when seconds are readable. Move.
**12:21**
